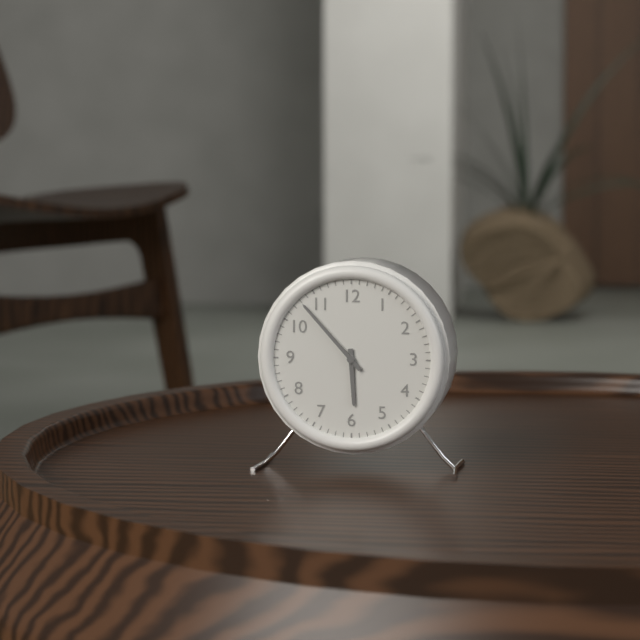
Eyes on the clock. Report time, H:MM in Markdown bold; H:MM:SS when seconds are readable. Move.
**5:53**
